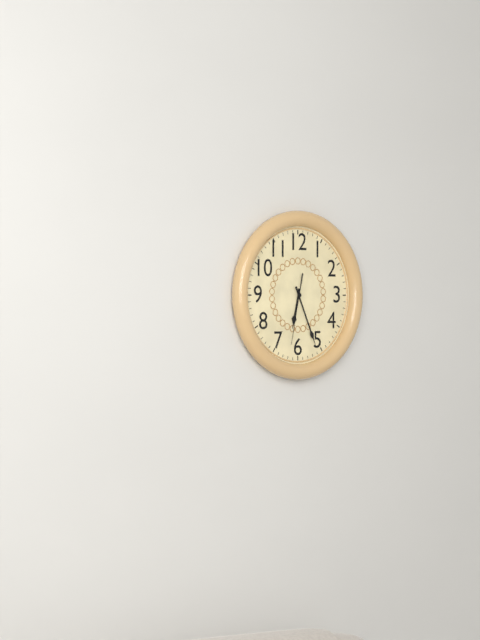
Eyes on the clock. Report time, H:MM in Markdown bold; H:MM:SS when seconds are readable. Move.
**6:26:32**
